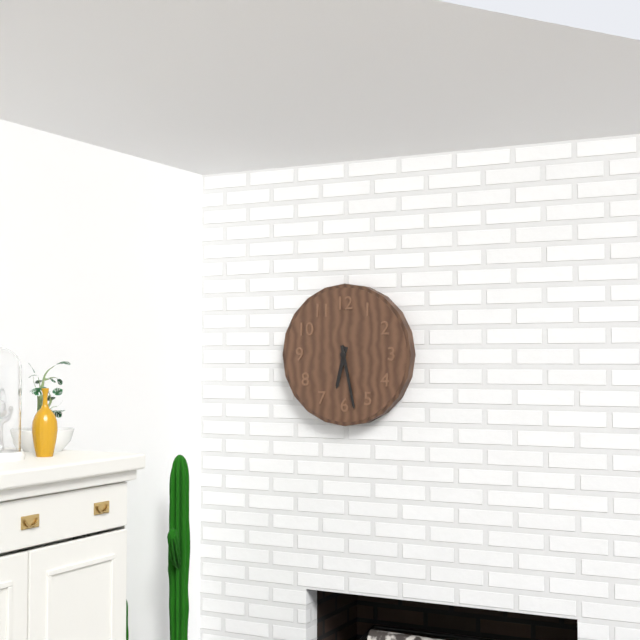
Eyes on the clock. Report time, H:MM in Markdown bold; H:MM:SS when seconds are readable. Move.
**6:28**
